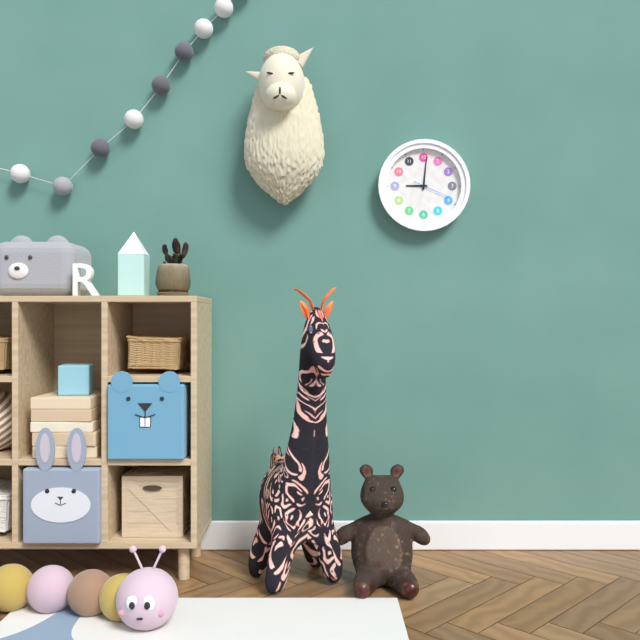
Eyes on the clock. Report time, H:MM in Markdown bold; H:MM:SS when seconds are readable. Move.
**9:01**
